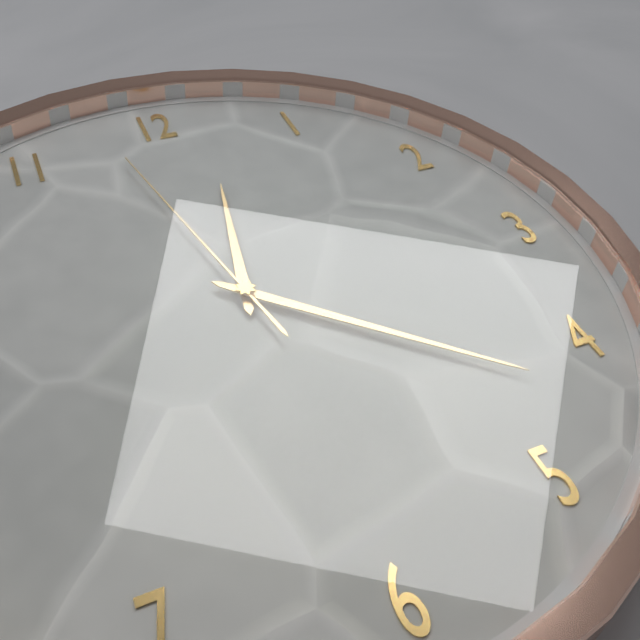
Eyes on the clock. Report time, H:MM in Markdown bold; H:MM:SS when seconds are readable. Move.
**12:22:58**
